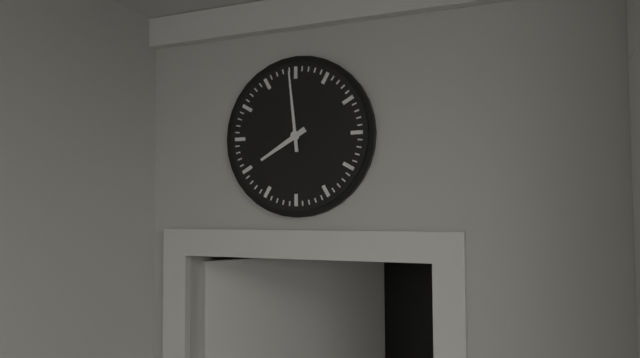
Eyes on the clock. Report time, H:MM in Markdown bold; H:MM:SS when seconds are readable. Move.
**7:59**
